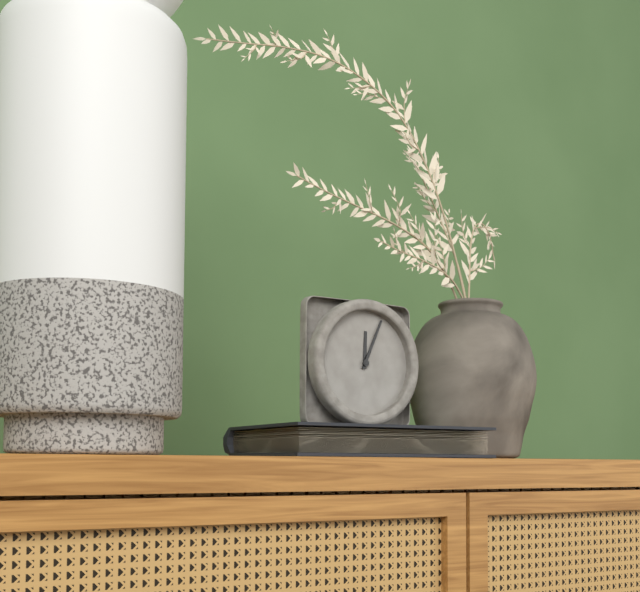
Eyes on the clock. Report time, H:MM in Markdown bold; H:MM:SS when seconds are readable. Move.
**12:04**
